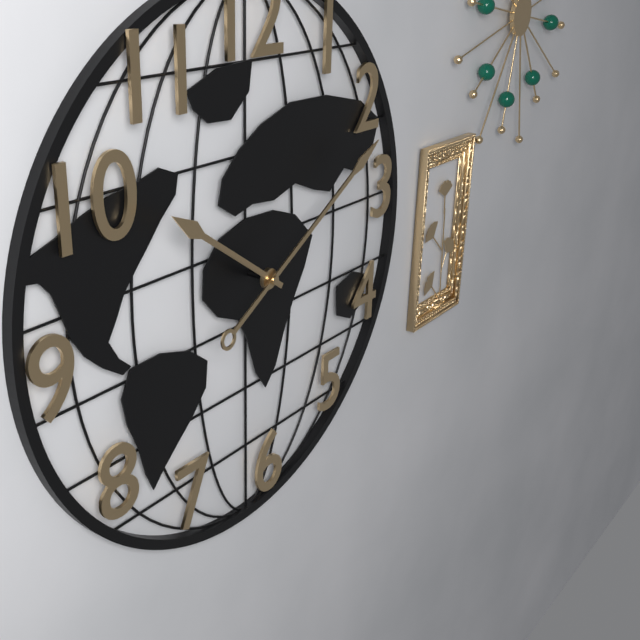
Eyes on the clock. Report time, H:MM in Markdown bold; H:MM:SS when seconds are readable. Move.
**10:10**
